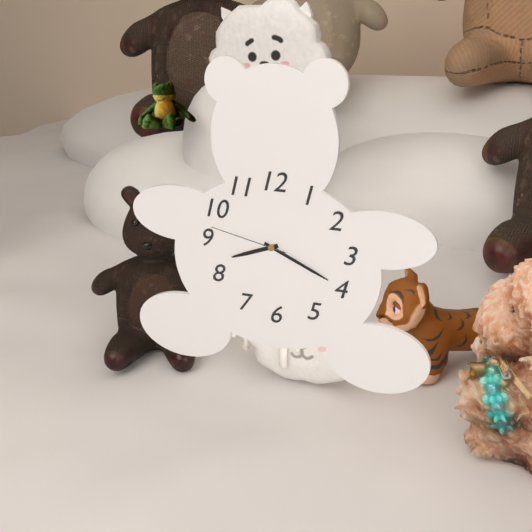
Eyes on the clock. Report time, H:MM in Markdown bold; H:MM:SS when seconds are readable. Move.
**8:19:47**
